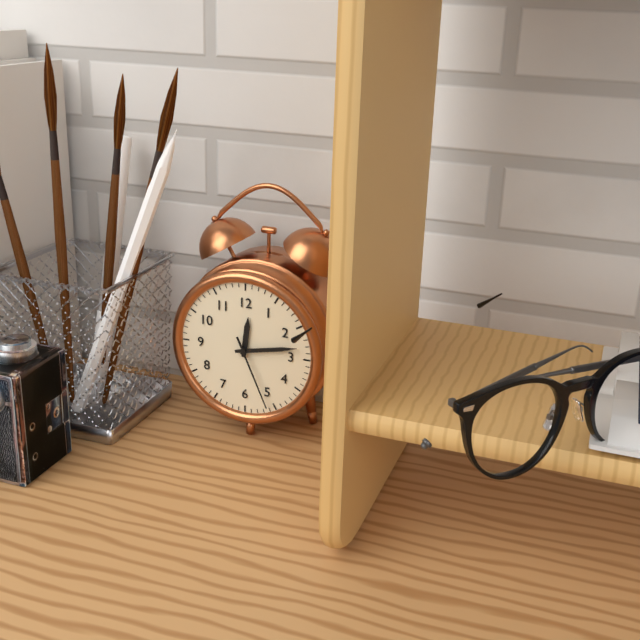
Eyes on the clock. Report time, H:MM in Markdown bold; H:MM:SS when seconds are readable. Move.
**12:13:26**
